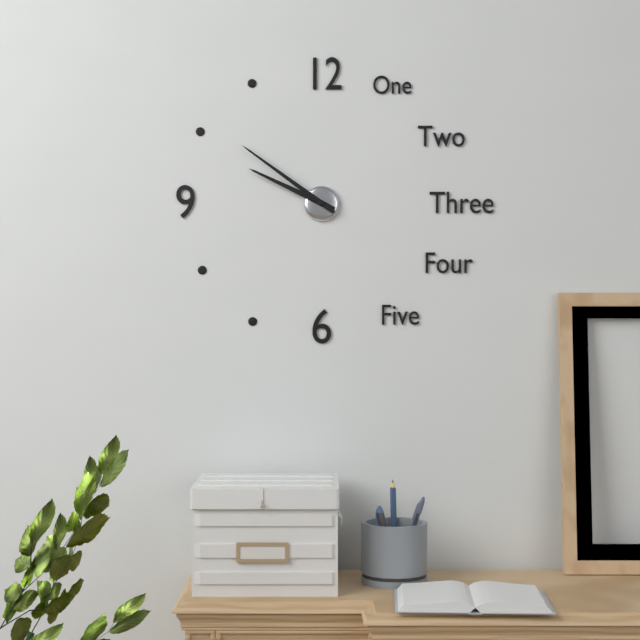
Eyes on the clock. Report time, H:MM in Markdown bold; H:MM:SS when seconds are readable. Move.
**9:51**
